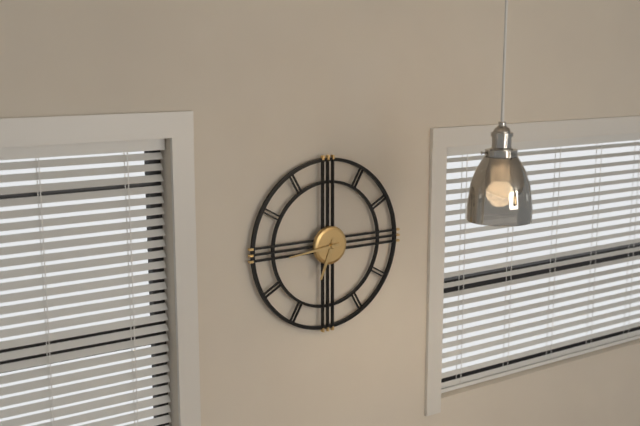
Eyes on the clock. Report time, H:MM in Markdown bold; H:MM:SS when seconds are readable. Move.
**6:44**
